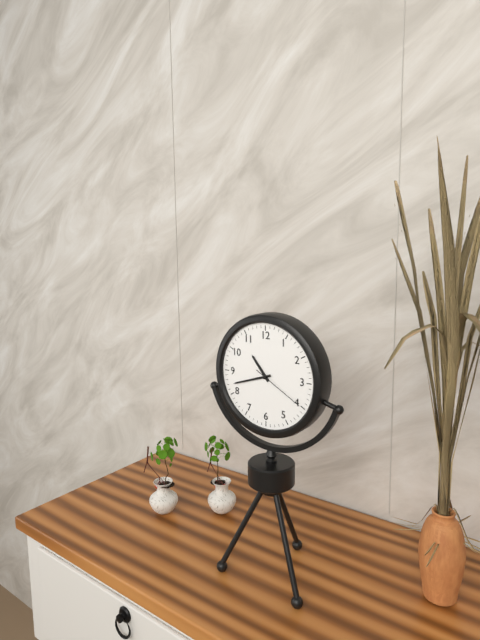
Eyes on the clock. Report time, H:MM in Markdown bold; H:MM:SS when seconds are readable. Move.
**10:42:20**
